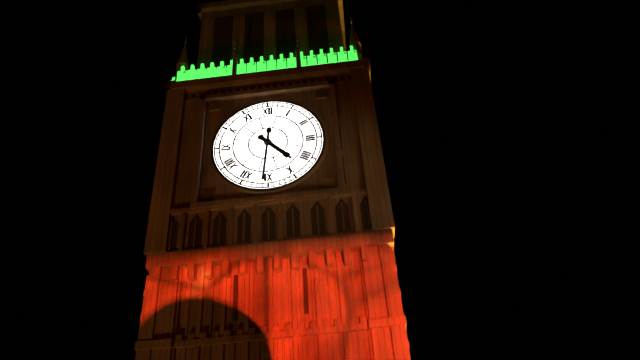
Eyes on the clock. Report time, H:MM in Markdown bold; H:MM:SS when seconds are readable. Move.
**4:31**
